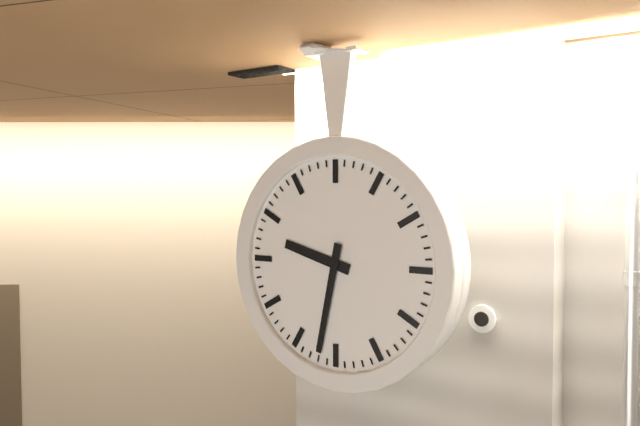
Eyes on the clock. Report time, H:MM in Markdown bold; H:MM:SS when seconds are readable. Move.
**9:32**
